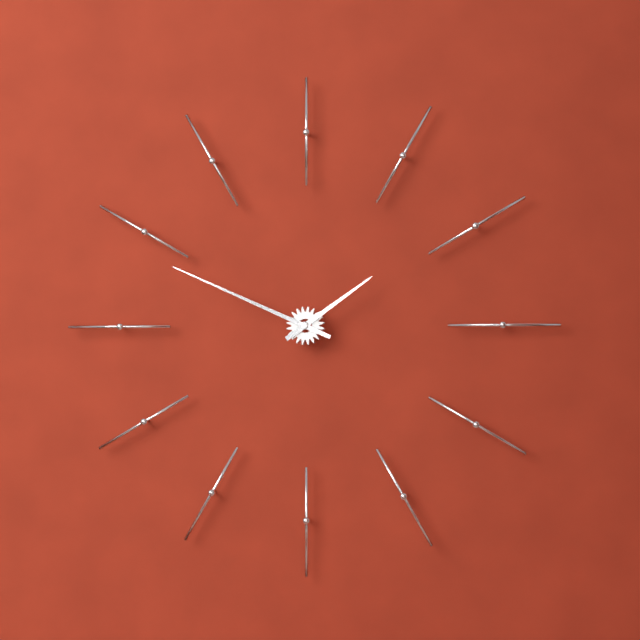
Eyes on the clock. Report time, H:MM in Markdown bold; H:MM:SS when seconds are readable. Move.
**1:49**
